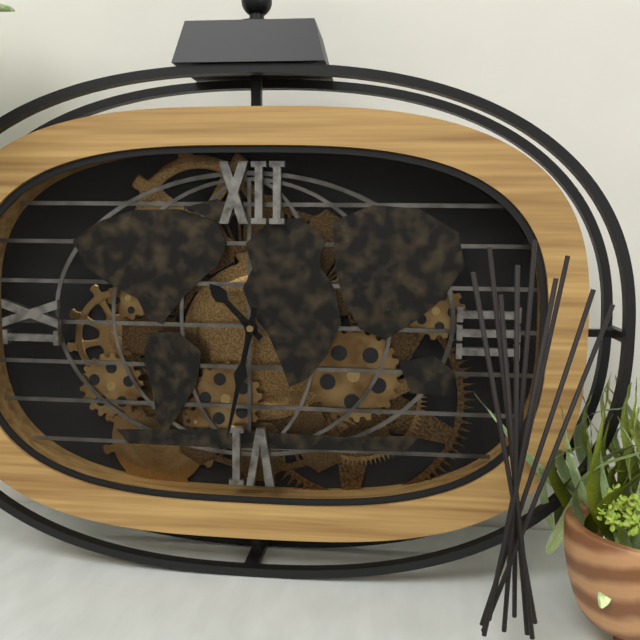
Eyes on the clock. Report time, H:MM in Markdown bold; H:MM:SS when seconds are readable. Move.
**10:32**
